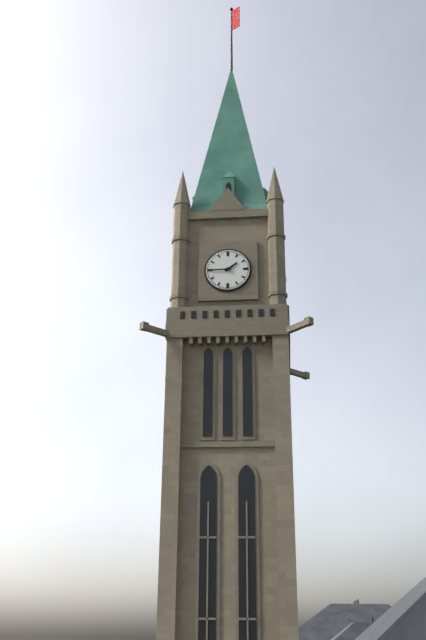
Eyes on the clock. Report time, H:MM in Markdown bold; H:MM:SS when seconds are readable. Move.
**1:45**
